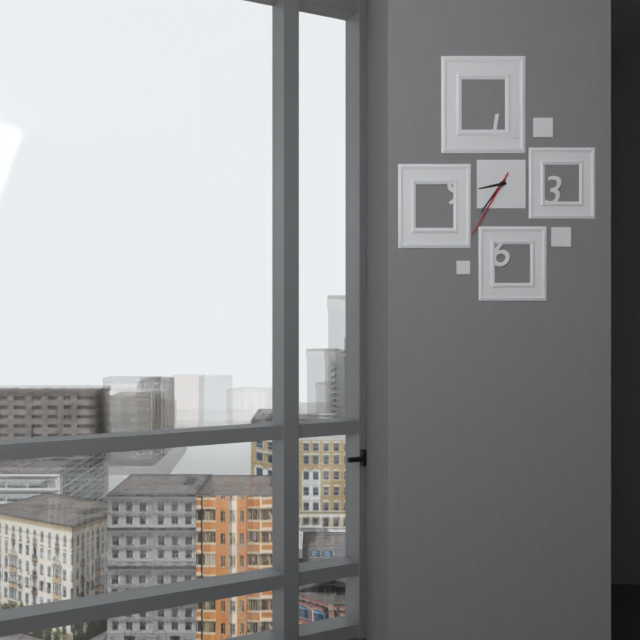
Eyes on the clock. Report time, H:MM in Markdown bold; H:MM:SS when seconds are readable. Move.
**8:36:35**
